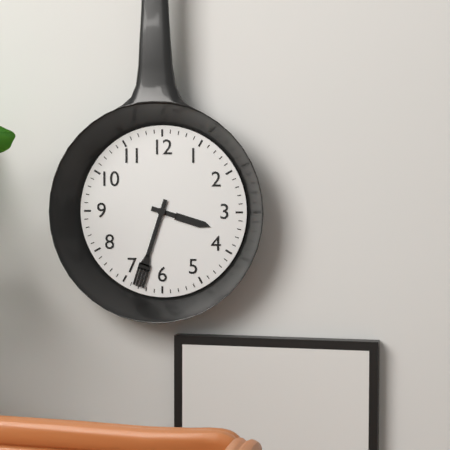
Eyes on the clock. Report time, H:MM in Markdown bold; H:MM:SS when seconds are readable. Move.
**3:33**
